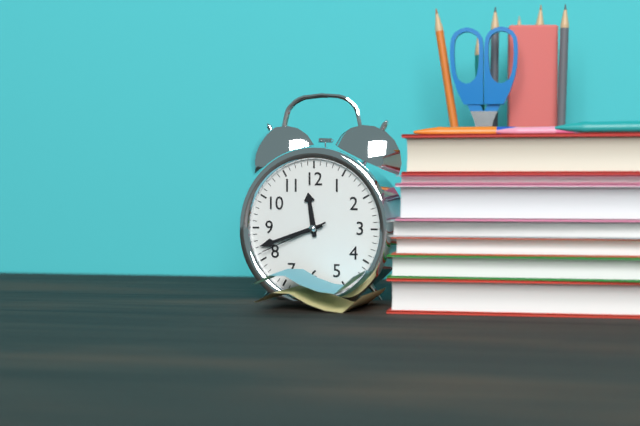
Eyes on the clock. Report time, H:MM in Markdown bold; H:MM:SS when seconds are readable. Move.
**11:42:41**
